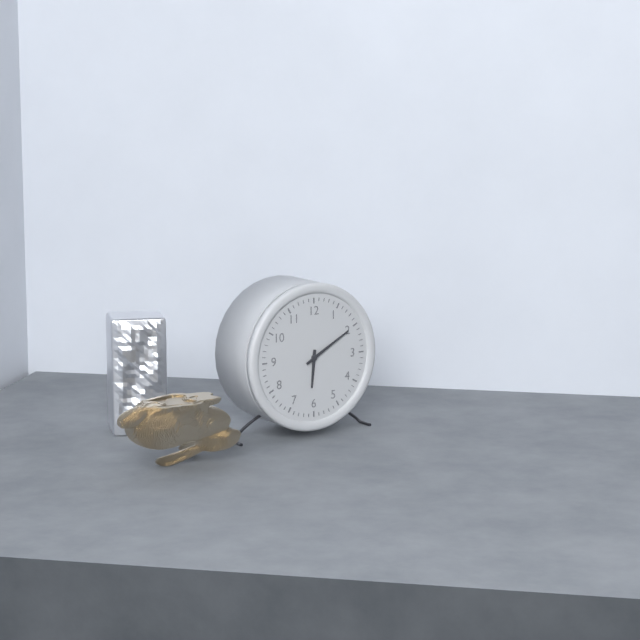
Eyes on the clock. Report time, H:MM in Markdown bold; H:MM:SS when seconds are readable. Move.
**6:10**
